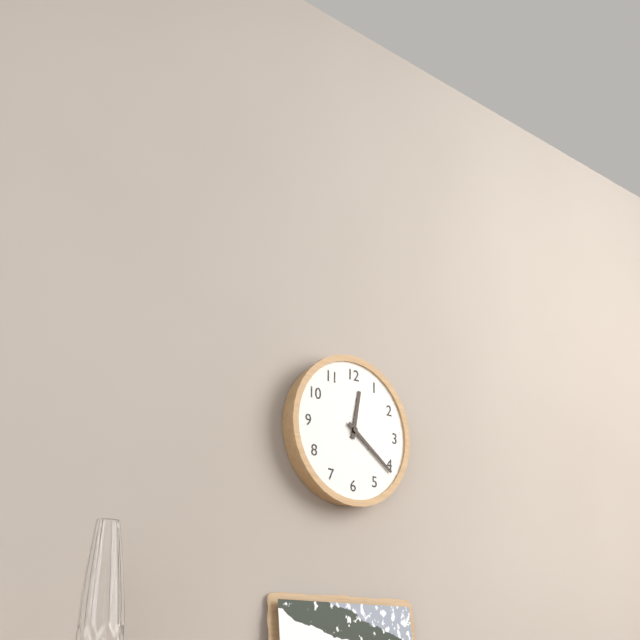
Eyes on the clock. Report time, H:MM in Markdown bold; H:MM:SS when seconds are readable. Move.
**12:21**
